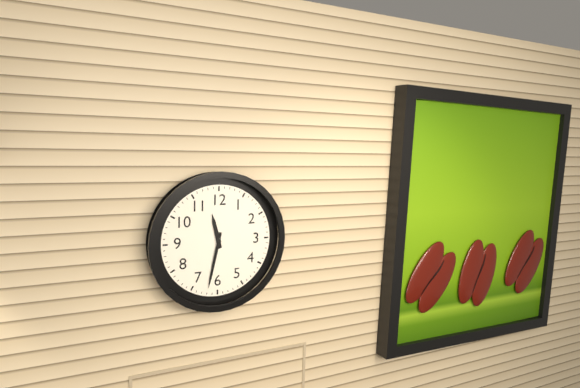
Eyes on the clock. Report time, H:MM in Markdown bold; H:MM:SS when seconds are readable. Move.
**11:32**
